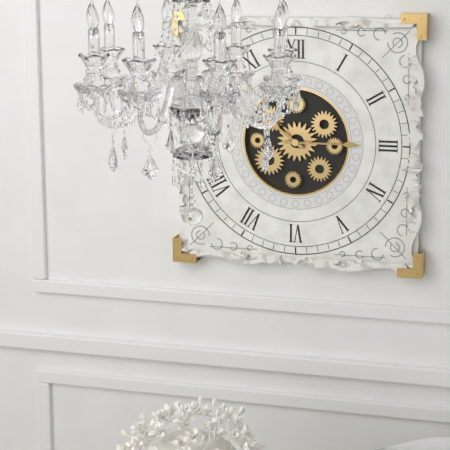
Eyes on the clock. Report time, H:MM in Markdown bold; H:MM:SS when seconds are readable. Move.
**10:15**
